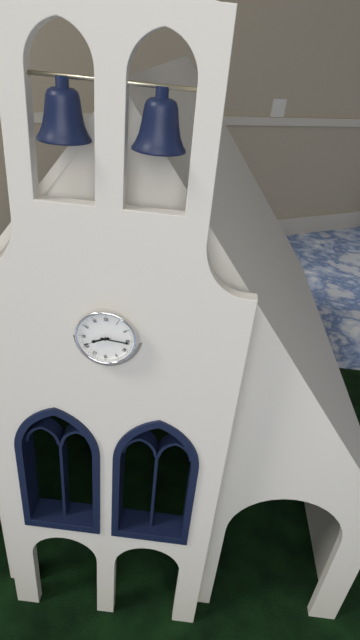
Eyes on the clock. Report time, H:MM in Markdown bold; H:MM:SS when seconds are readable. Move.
**8:16**
